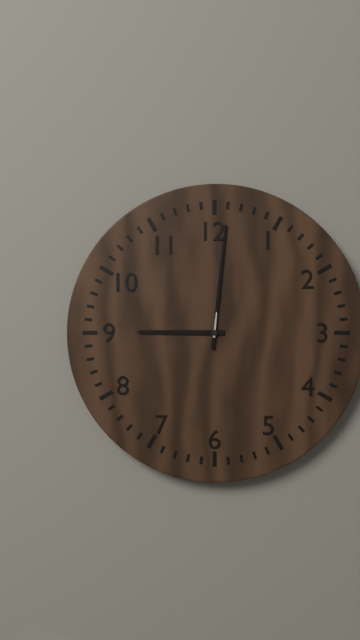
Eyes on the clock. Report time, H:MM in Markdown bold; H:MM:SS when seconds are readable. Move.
**9:01**
